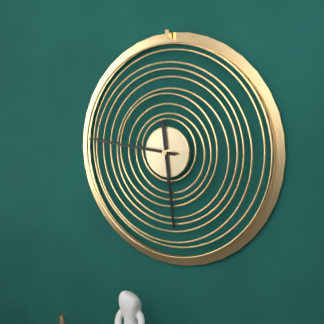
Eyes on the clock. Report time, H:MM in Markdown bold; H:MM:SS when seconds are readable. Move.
**5:46**
